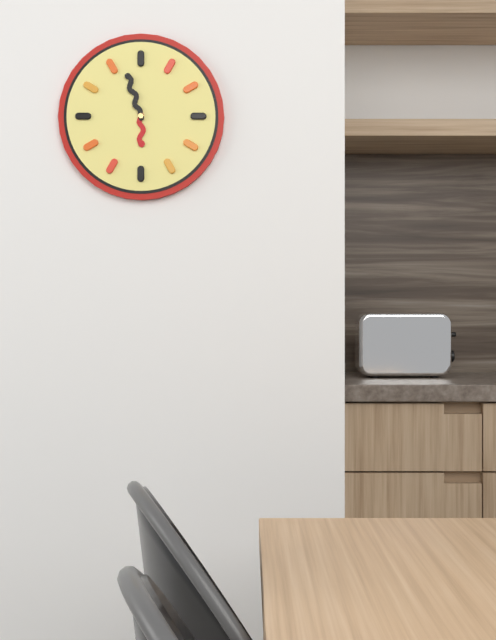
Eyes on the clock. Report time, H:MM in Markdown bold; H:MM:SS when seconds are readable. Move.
**5:57**
